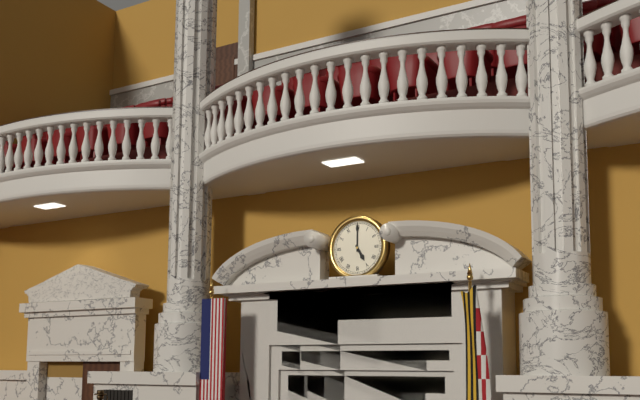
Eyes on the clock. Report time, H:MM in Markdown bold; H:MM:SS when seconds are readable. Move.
**5:00**
